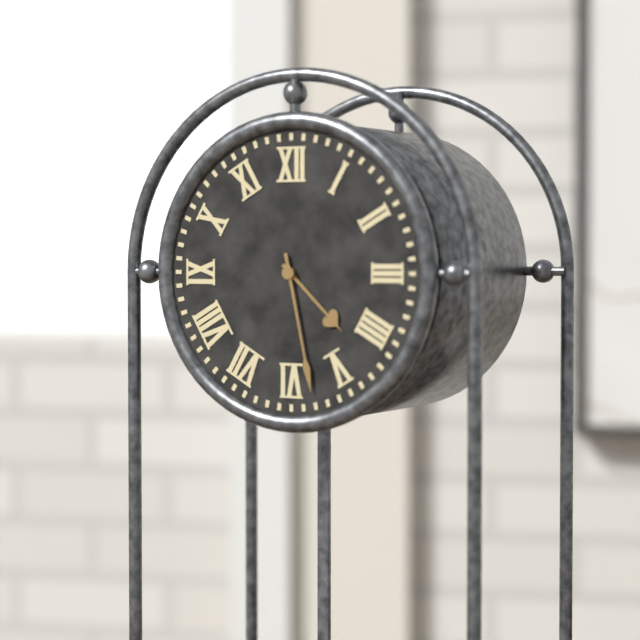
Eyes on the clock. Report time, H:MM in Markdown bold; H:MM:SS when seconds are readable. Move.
**4:28**
